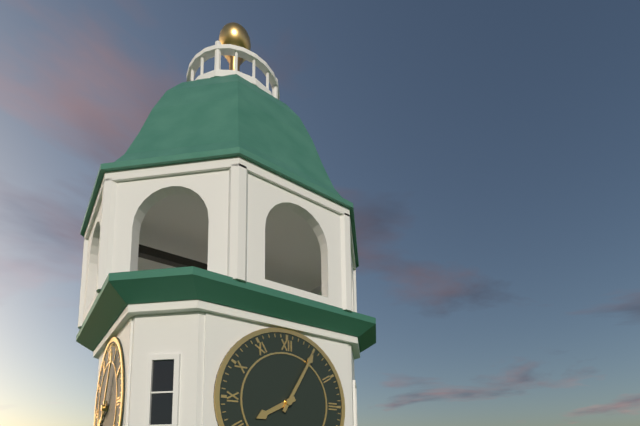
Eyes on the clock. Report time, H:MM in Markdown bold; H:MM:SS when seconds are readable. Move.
**8:05**
